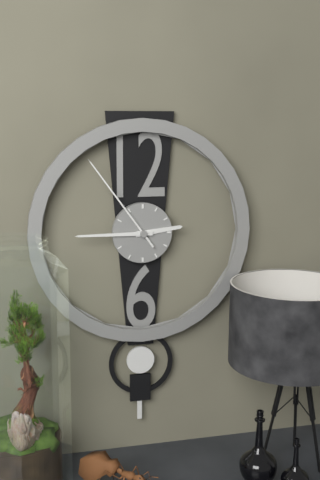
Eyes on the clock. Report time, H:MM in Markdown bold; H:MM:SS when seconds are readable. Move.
**2:45:54**
